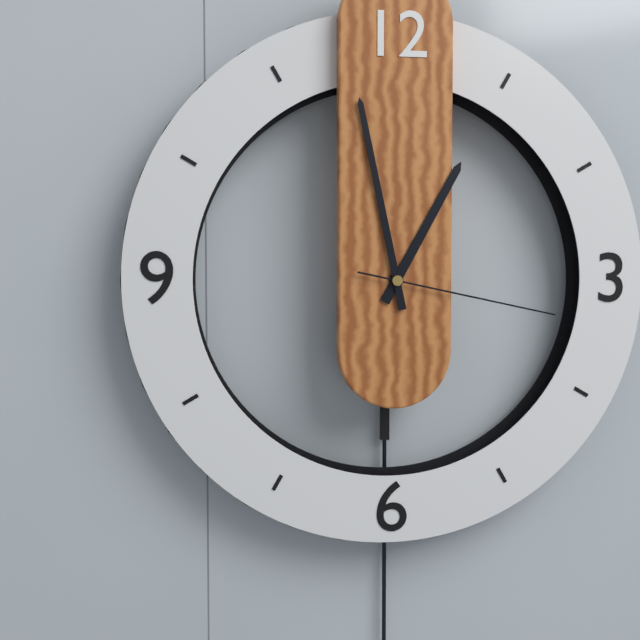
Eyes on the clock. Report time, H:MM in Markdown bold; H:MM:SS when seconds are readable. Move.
**12:58:17**
